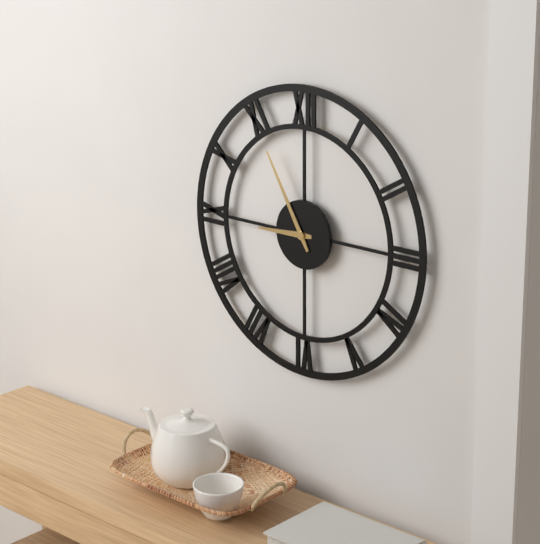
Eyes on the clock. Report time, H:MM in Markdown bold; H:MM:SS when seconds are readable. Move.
**8:55**
